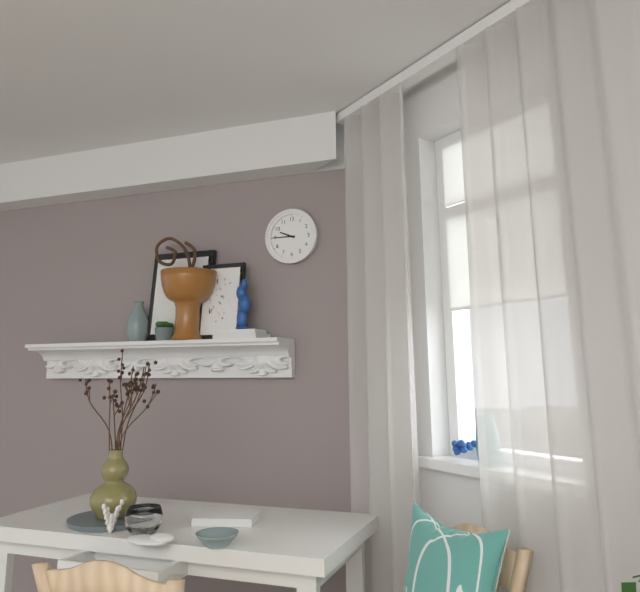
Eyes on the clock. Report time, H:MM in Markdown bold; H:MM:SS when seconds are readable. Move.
**9:45**
